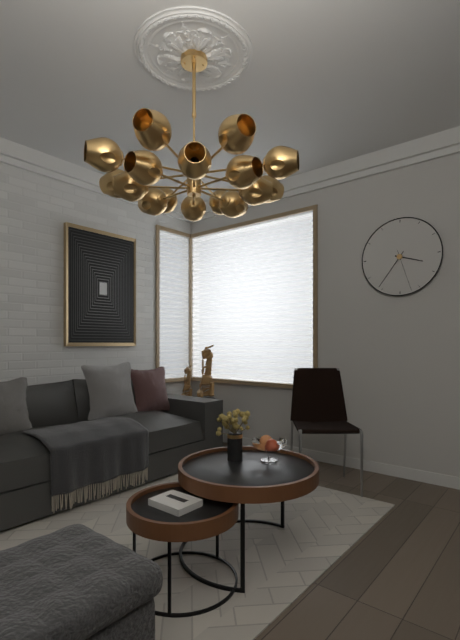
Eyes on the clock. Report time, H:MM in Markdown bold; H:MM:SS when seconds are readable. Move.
**3:36**
